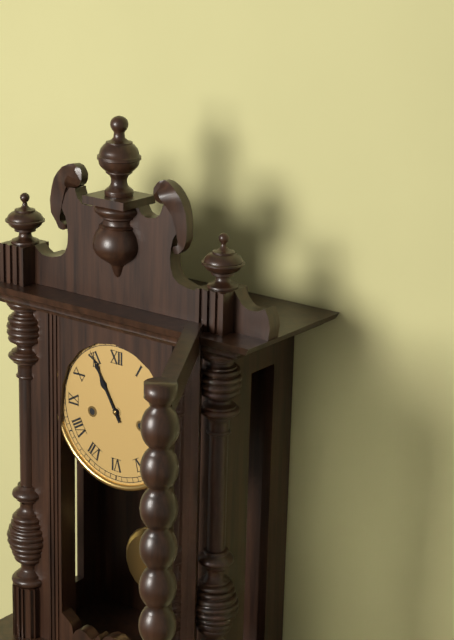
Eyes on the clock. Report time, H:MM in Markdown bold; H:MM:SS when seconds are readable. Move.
**10:55**
